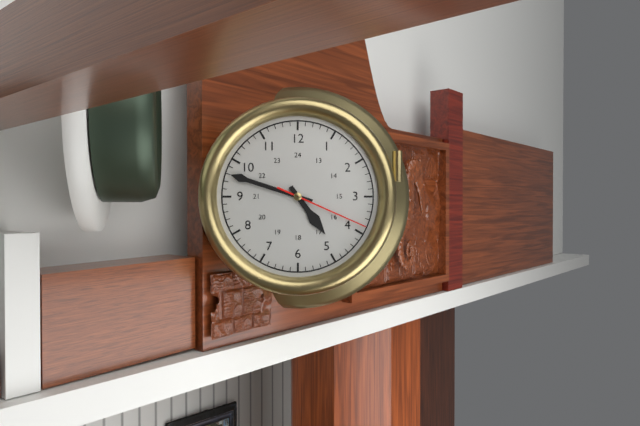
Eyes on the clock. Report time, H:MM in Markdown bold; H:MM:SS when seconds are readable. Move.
**4:48:19**
